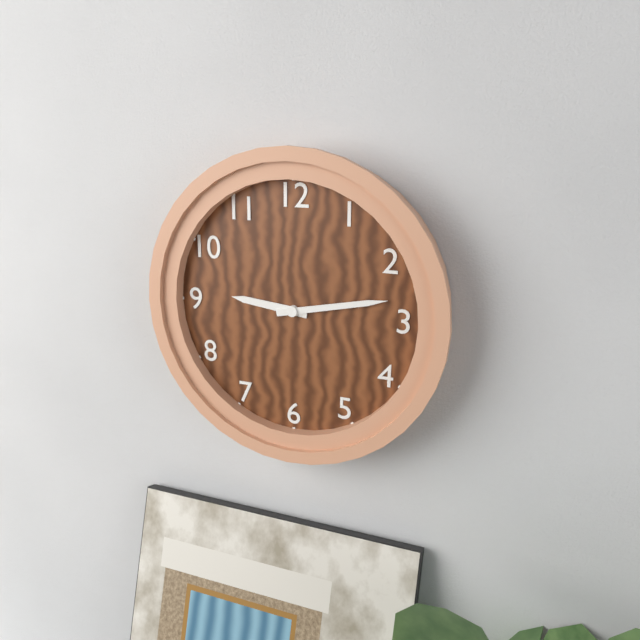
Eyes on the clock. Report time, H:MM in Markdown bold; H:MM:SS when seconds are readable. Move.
**9:13**
